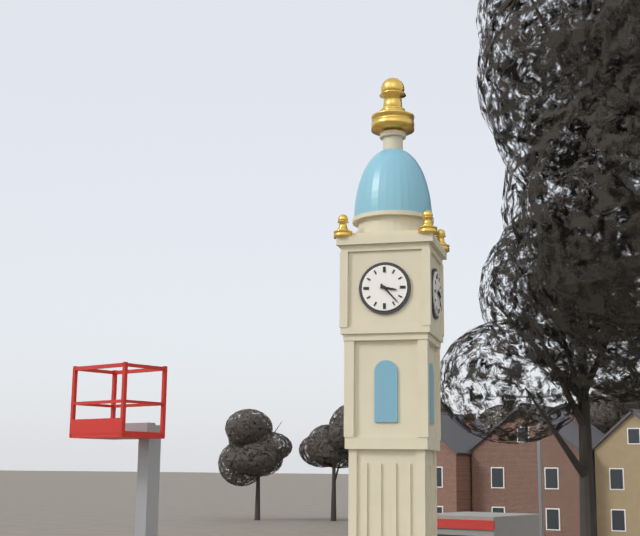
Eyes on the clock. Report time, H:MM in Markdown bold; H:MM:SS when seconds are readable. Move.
**3:23**
